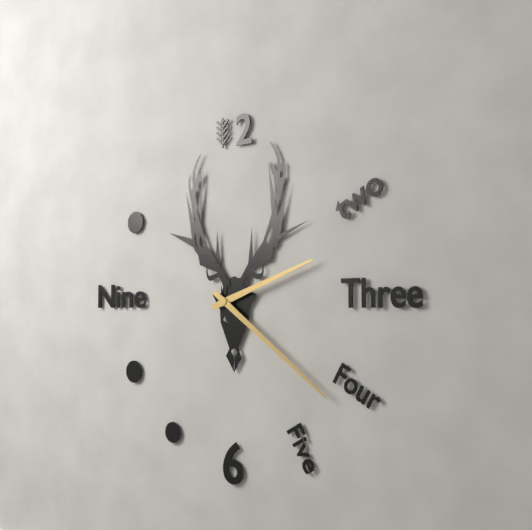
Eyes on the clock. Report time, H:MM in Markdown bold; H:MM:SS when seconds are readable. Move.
**2:21**
